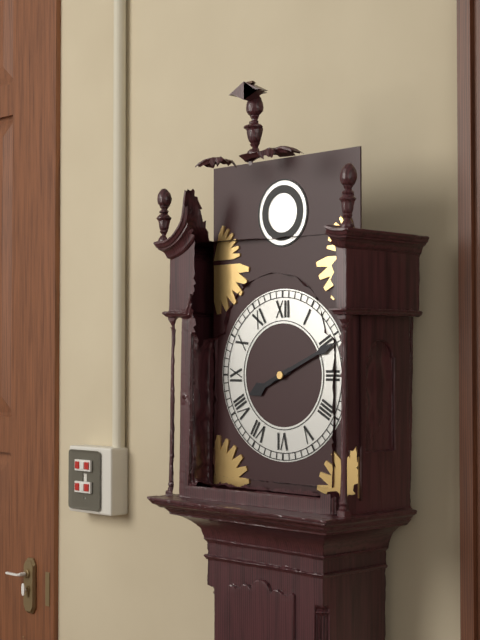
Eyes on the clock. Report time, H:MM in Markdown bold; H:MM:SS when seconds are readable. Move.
**8:11**
